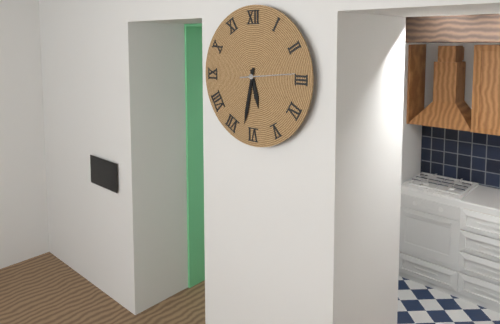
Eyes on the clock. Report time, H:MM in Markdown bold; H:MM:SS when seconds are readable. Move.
**5:32**
